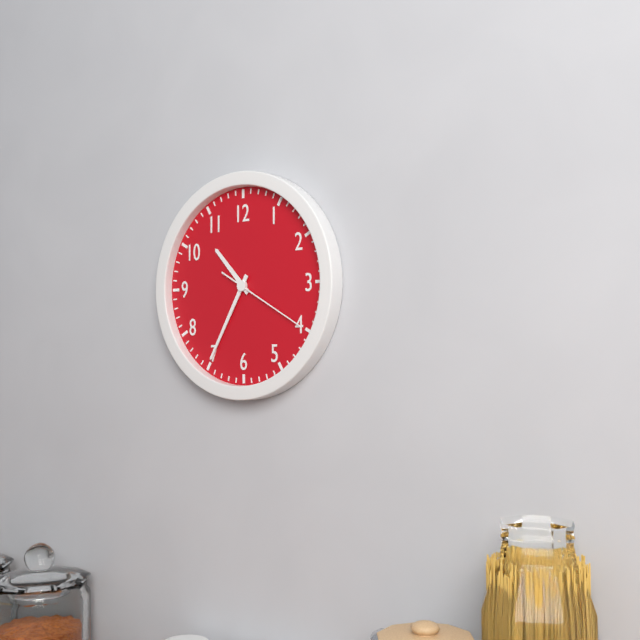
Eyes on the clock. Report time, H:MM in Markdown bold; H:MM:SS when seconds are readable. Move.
**10:35:20**
